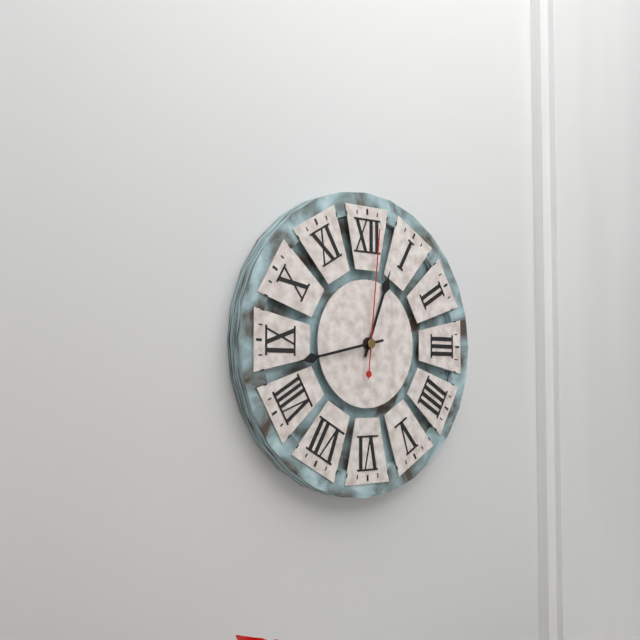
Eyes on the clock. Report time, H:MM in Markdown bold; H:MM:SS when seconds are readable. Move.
**12:43:01**
